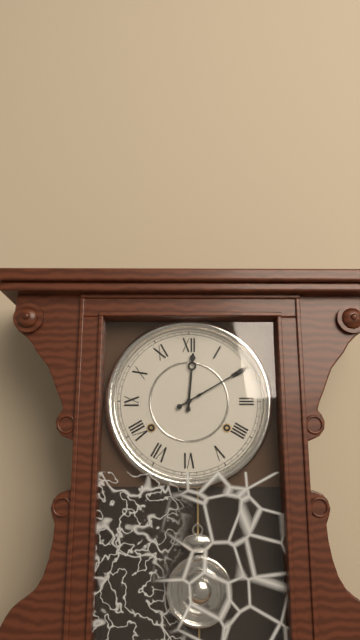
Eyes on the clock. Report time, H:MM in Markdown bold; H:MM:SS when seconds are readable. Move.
**12:10**
